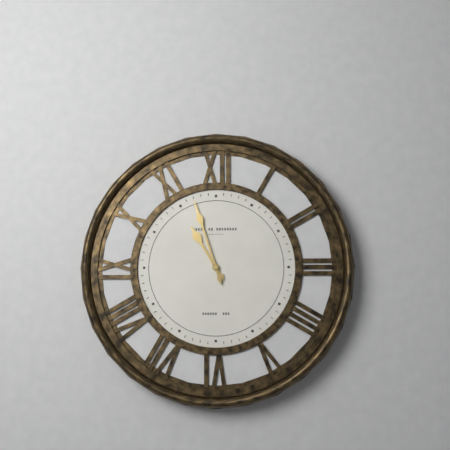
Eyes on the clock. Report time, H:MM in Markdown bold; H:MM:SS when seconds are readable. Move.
**10:57**
